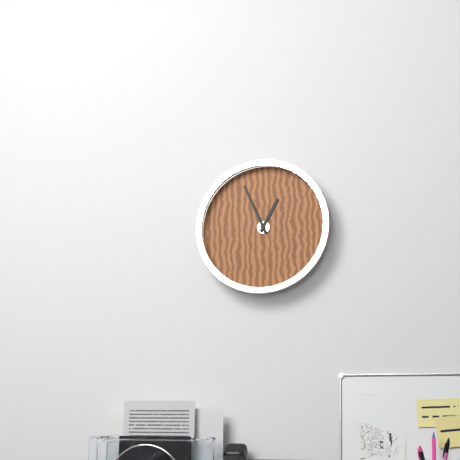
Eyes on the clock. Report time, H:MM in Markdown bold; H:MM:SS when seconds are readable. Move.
**12:56**
